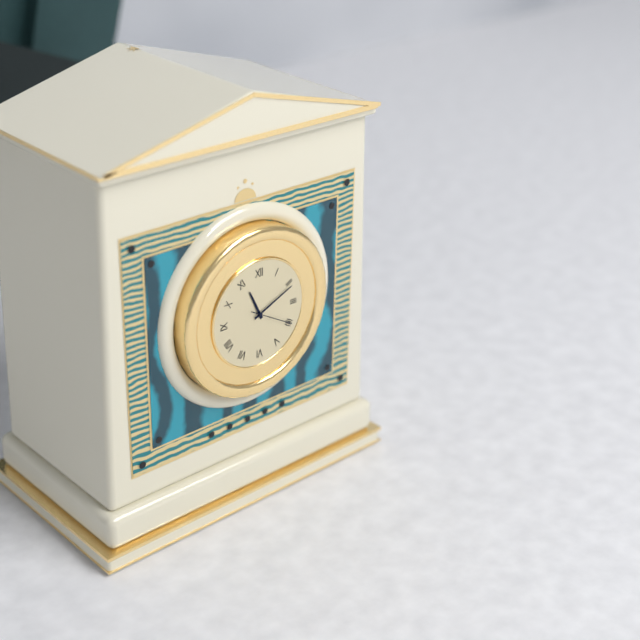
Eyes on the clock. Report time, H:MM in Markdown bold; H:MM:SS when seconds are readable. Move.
**11:11**
